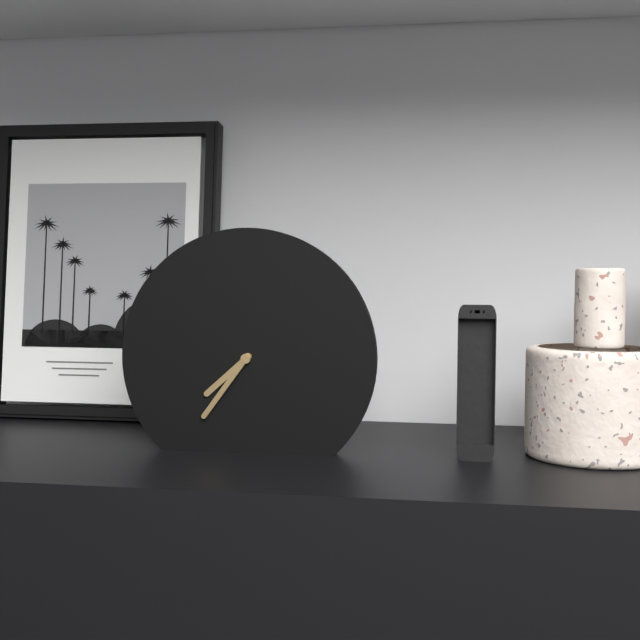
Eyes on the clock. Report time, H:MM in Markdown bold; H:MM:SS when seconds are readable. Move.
**7:36**
